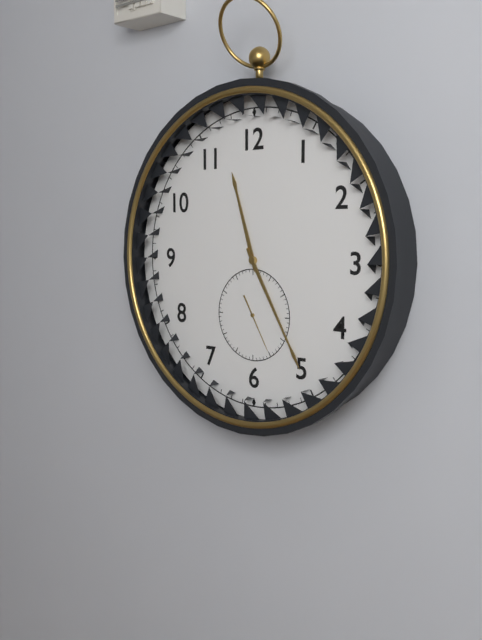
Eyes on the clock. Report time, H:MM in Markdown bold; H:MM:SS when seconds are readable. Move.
**11:25:25**
